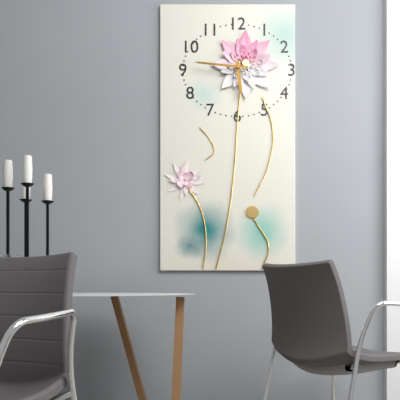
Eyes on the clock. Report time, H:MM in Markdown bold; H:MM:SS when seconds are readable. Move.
**5:46**
